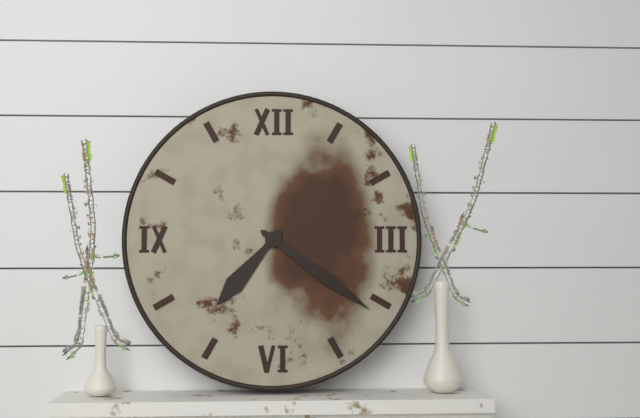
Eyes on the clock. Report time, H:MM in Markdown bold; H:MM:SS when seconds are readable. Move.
**7:21**
